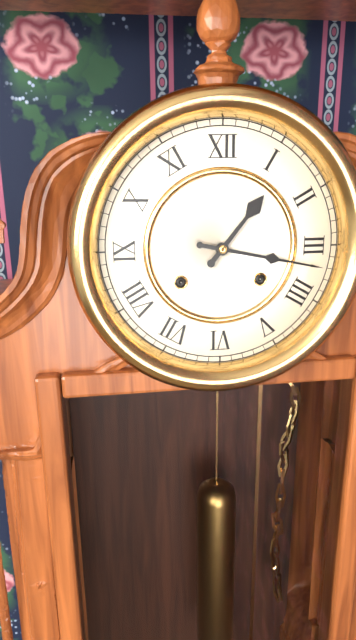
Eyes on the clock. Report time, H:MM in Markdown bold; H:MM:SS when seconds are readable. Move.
**1:17**
